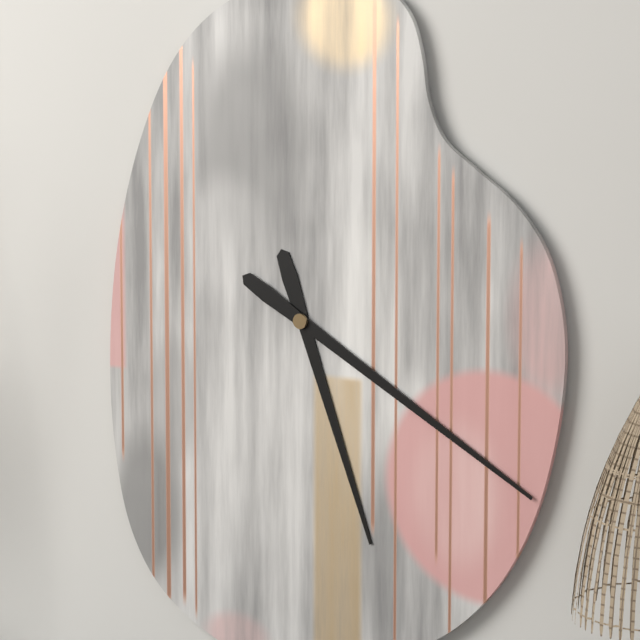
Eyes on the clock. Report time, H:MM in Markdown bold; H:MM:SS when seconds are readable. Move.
**5:20**
